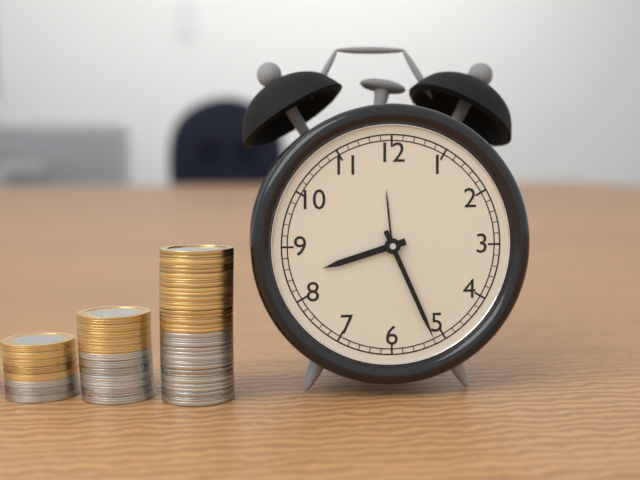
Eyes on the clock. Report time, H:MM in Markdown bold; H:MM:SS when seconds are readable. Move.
**8:26**
